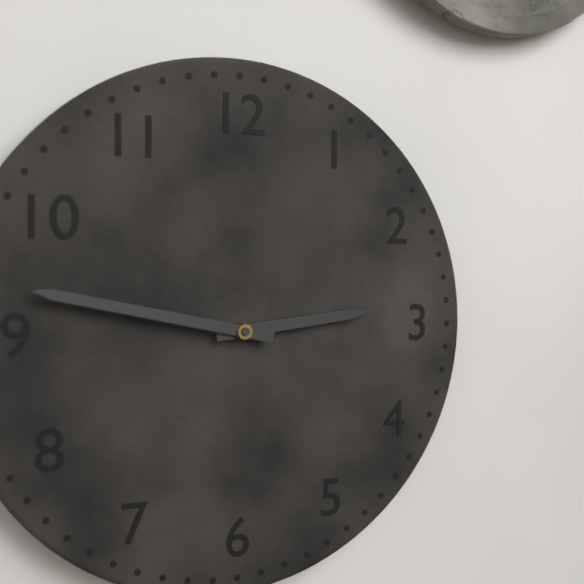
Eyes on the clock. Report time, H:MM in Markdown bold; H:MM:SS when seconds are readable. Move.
**2:47**
